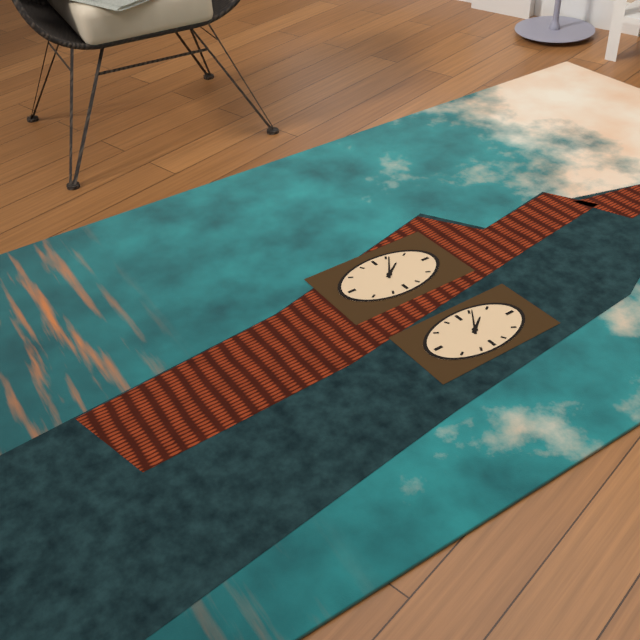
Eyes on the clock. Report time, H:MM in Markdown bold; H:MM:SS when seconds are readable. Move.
**10:51**
